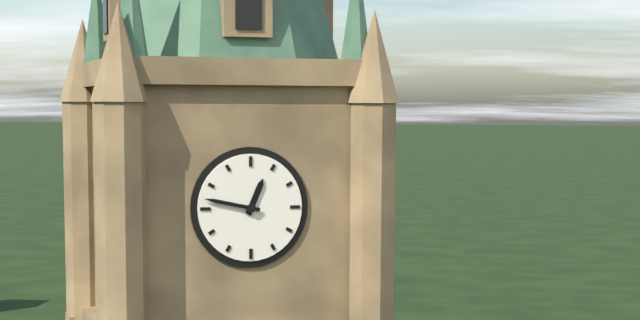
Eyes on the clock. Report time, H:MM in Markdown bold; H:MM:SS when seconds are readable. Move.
**12:47**
